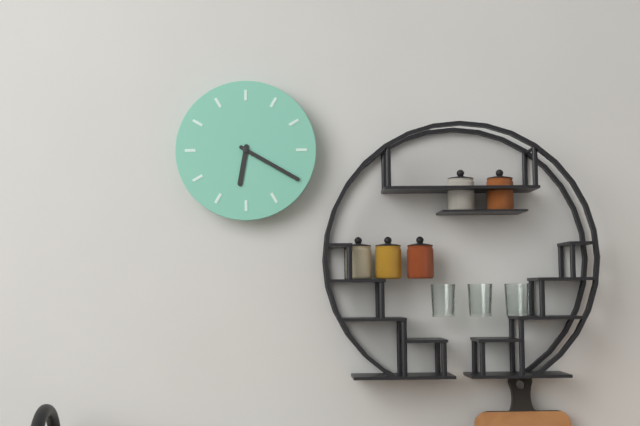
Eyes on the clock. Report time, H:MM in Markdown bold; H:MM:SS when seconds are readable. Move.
**6:20**
